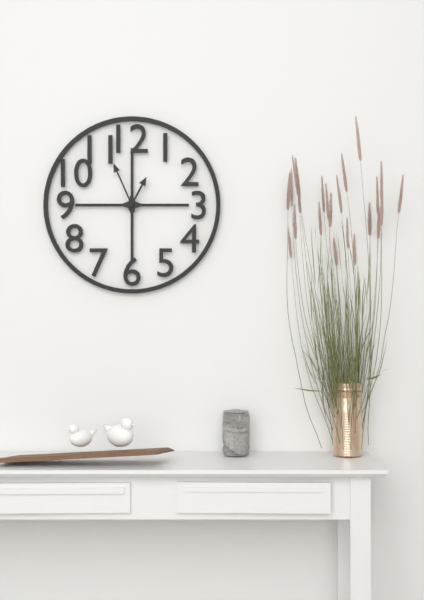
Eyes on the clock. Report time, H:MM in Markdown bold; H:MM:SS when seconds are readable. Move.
**12:56**
